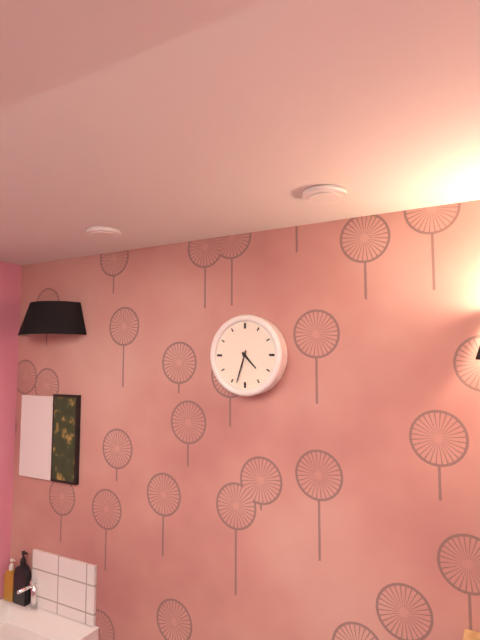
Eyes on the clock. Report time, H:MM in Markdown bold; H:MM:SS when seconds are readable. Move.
**4:33**
